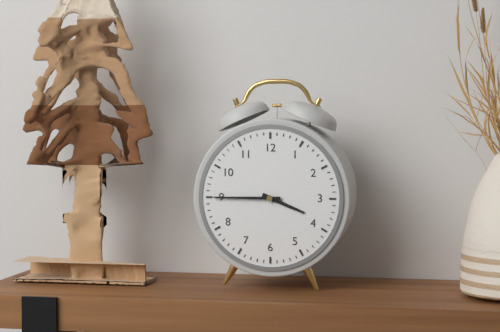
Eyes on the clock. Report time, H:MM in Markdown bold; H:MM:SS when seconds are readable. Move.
**3:45**
